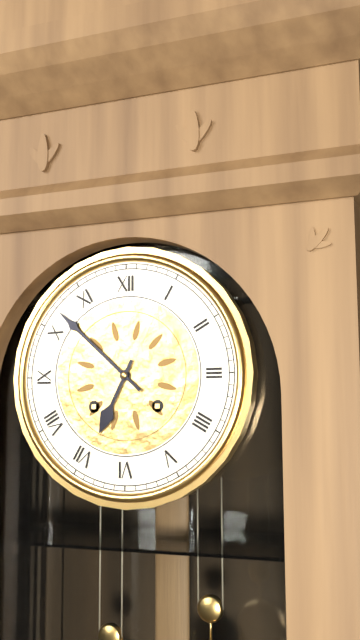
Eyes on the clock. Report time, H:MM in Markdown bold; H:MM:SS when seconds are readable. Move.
**6:52**
